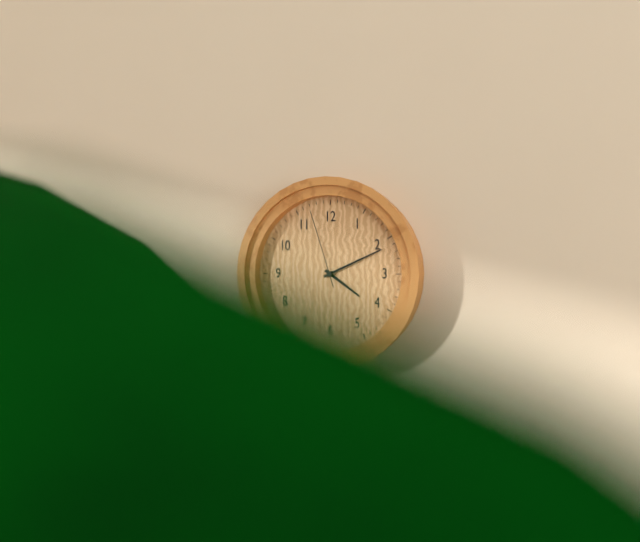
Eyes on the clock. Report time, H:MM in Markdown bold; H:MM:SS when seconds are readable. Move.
**4:11:57**
